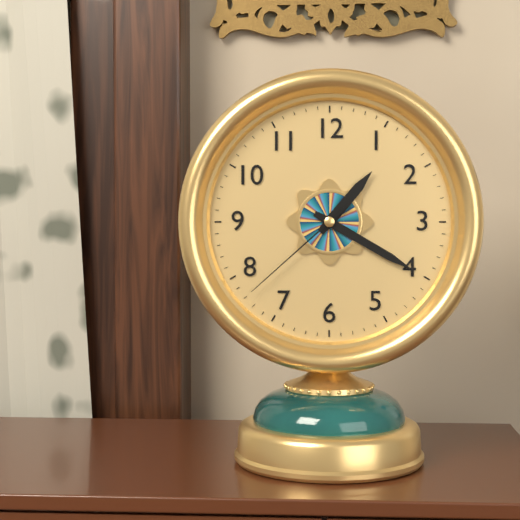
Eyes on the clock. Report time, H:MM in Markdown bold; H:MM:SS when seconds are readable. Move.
**1:20:38**
